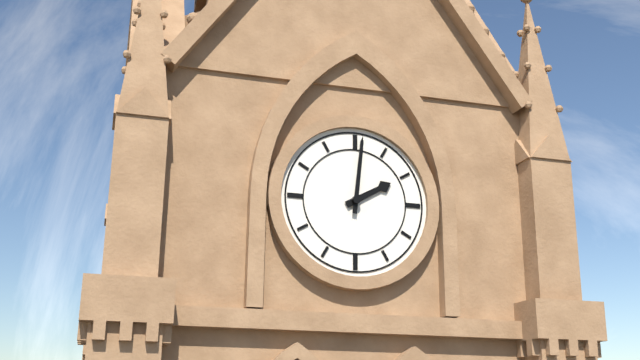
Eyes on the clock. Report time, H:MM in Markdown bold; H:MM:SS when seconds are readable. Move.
**2:01**
